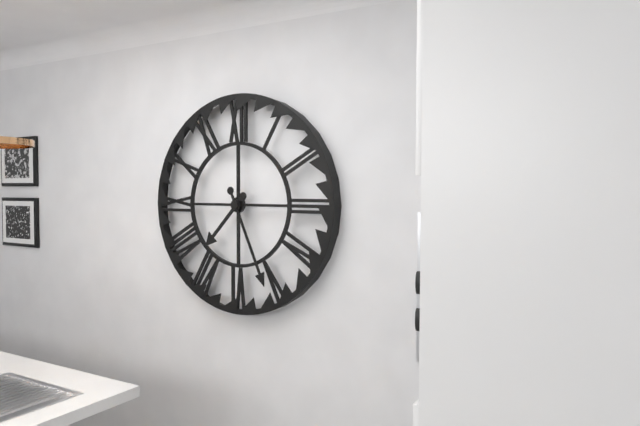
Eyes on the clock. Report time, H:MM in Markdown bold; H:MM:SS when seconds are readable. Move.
**7:26**
